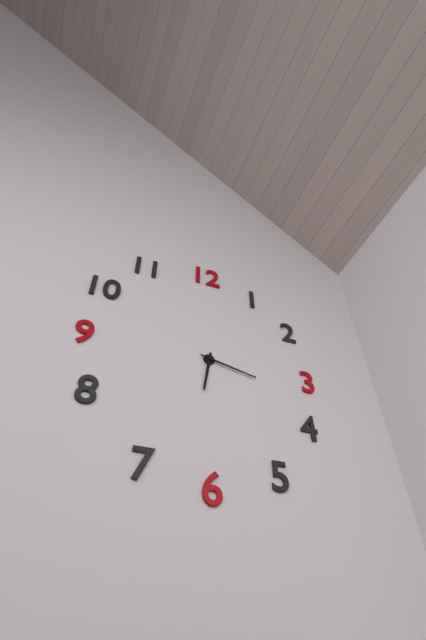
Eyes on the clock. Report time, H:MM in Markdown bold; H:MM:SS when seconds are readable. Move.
**6:17**
